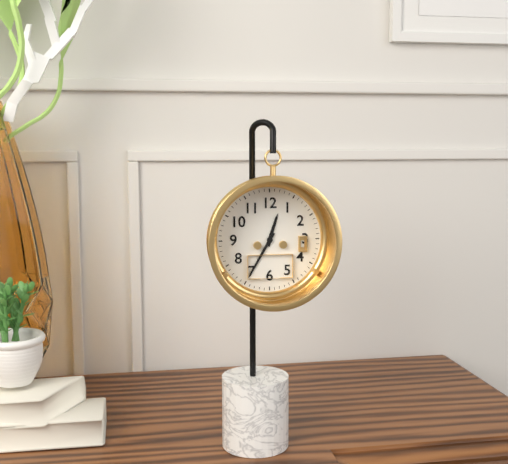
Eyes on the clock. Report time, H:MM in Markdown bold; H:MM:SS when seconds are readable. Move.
**12:35**
